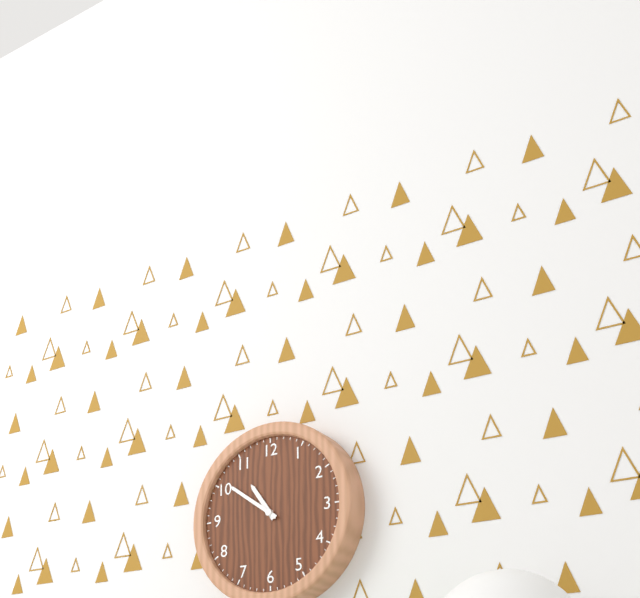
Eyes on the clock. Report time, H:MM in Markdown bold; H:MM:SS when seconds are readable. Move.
**10:51**
